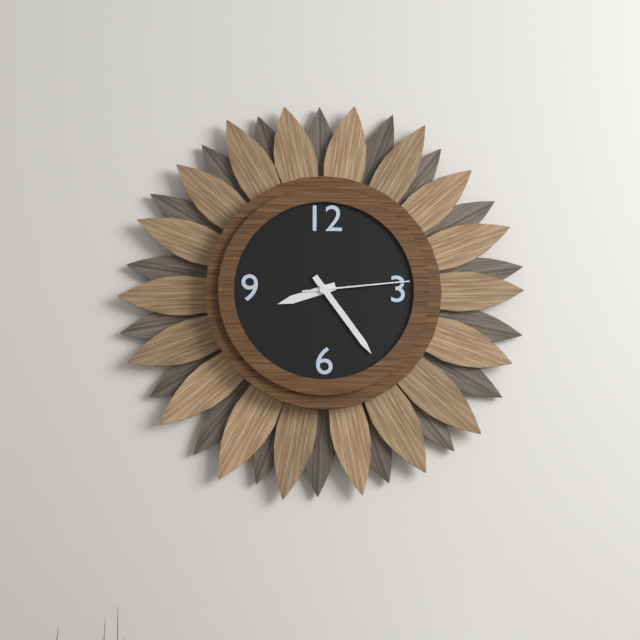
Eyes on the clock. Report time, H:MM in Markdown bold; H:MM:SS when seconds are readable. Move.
**8:24:14**
